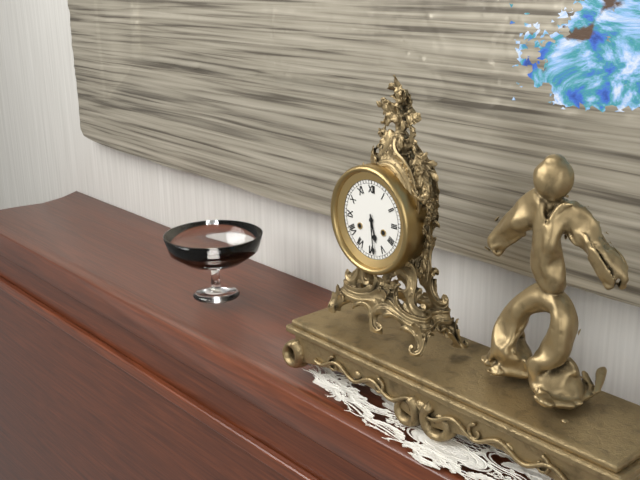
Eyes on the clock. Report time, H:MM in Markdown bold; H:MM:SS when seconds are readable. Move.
**5:29**
